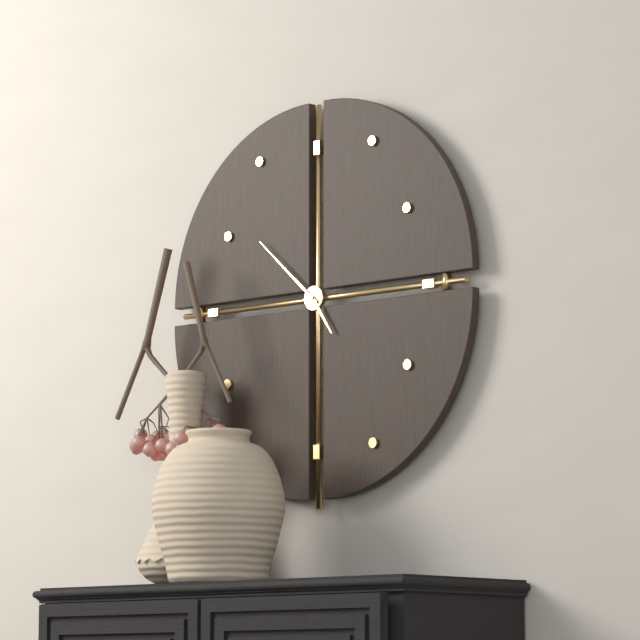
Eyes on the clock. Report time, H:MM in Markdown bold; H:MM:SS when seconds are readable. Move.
**4:52**
